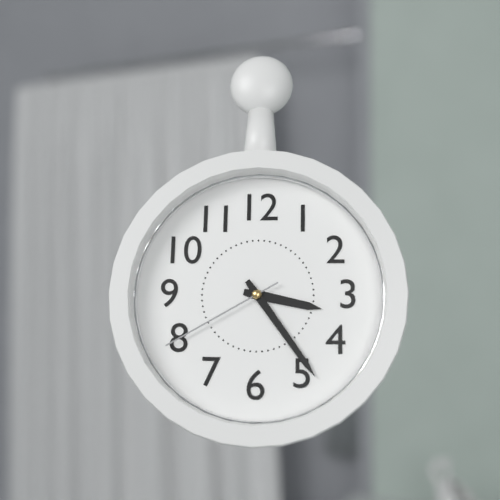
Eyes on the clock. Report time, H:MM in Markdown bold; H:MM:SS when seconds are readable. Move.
**3:24:40**
